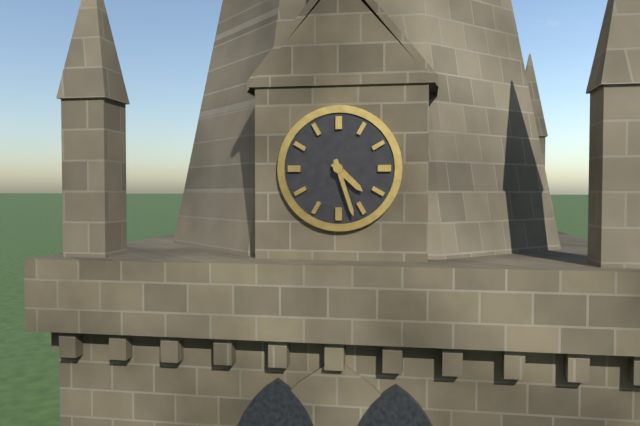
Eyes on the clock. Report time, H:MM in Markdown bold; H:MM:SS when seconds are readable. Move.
**4:27**
